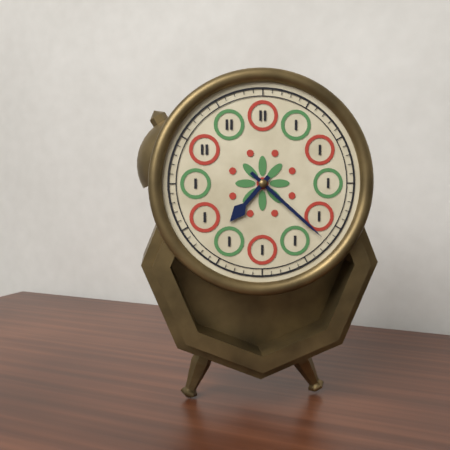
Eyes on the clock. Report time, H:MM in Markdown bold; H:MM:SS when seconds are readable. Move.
**7:22**
